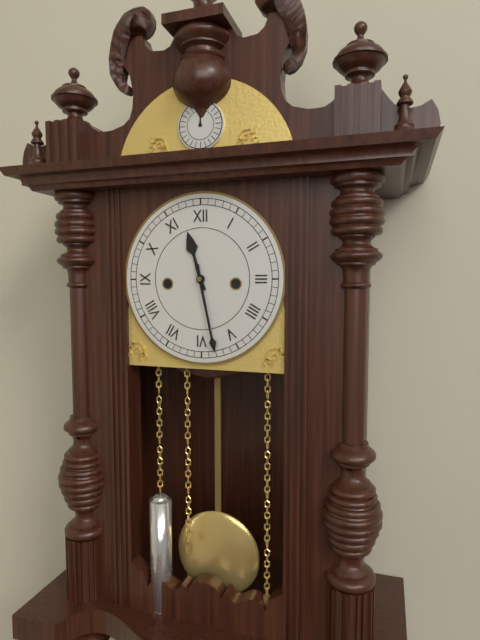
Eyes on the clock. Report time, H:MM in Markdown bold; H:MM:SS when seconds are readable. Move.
**11:28**
